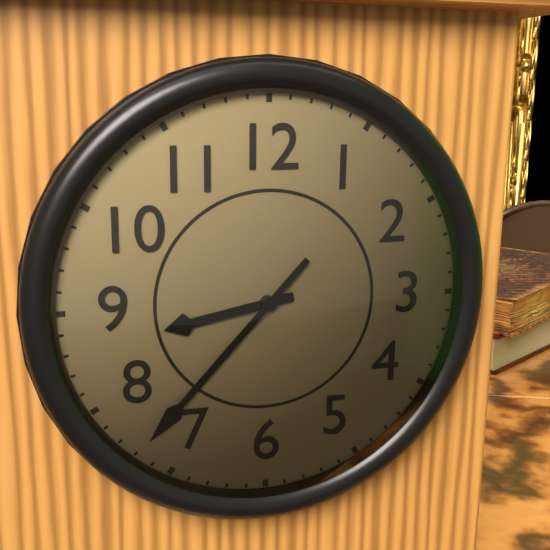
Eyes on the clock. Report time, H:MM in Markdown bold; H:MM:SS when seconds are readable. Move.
**8:37**
